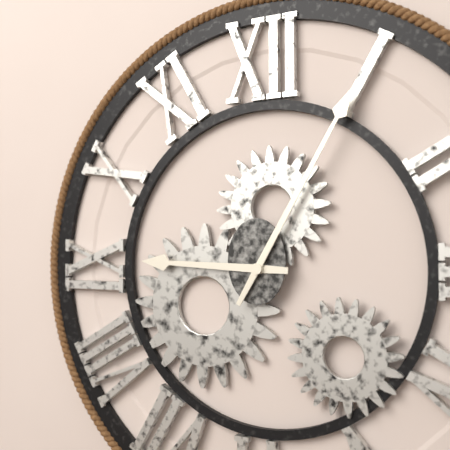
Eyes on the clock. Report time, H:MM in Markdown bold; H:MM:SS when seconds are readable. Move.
**9:05**
